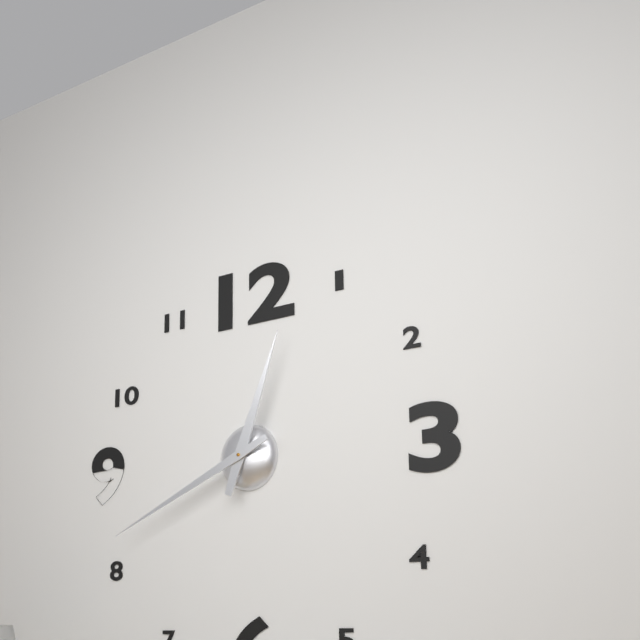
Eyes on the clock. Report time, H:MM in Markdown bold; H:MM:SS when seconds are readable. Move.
**12:41**
